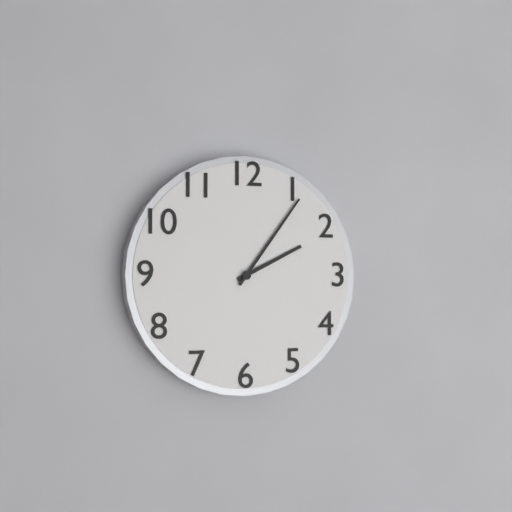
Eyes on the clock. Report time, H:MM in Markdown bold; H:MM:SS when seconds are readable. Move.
**2:06**
